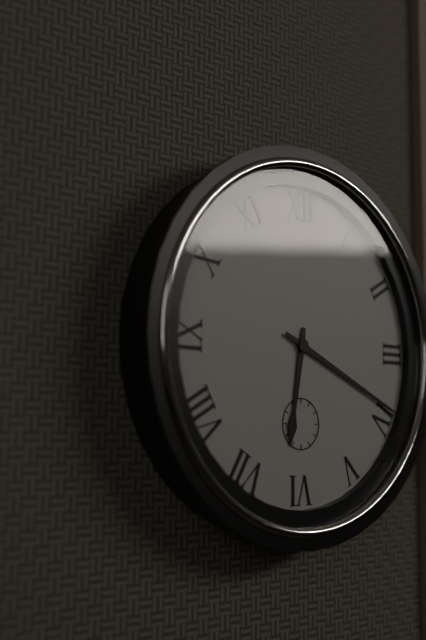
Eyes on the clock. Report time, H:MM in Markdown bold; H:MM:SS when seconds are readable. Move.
**6:19**
